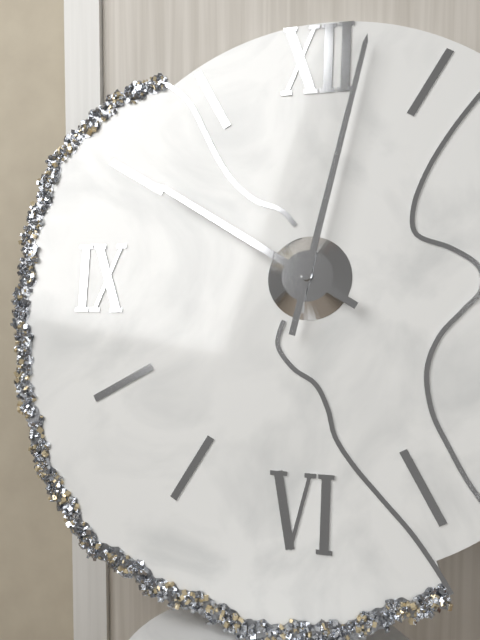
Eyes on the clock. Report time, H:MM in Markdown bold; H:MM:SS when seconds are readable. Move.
**10:02**
